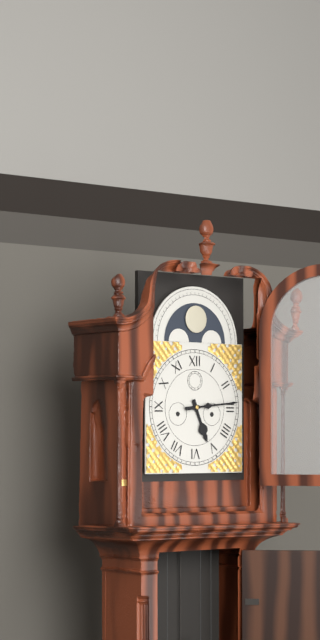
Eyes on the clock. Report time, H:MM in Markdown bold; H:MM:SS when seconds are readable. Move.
**5:14**
